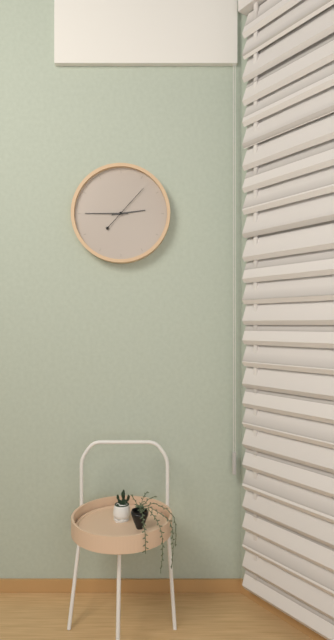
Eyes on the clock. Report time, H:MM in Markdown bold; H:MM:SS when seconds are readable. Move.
**2:45**
